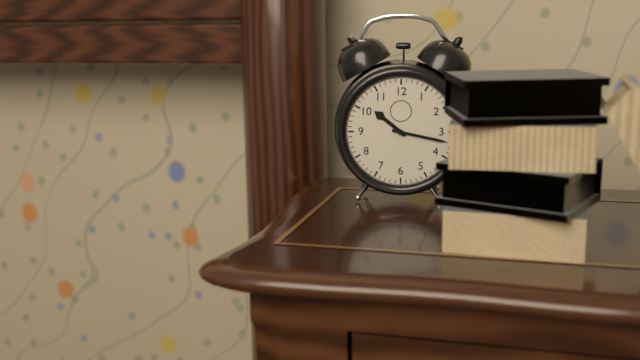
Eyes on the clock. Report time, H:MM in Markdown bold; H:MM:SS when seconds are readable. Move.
**10:17**
